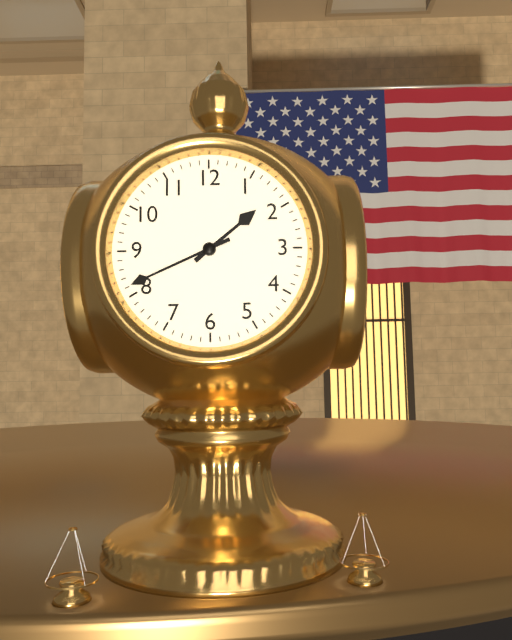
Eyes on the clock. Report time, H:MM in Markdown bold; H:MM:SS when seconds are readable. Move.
**1:41**
